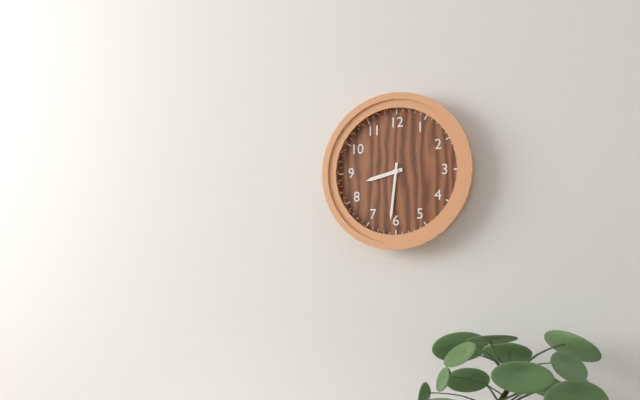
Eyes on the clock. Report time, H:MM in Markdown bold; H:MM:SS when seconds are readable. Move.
**8:31**
